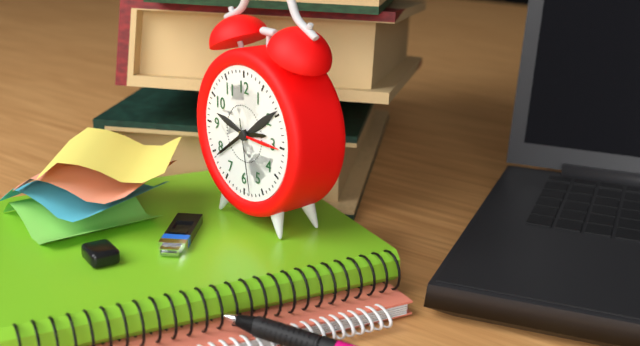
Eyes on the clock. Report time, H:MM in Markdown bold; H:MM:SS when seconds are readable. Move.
**2:39:28**
